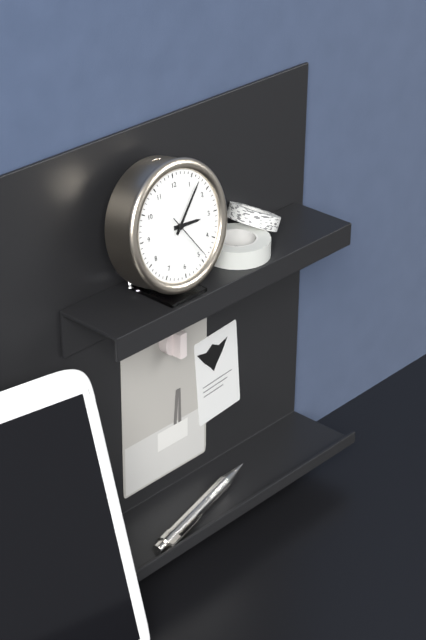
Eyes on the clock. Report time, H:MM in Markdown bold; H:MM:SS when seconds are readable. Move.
**3:07**
